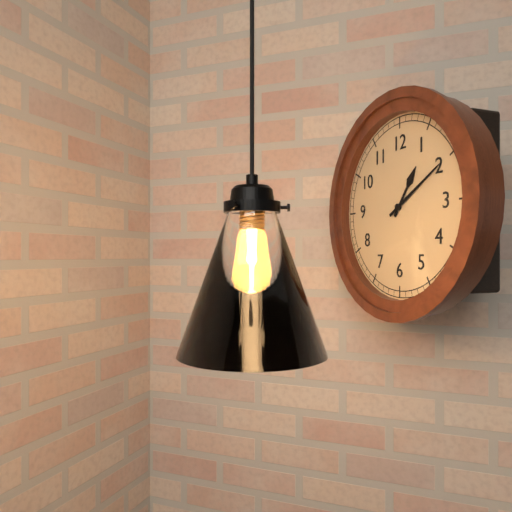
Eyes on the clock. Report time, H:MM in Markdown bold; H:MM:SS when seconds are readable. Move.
**1:10**
